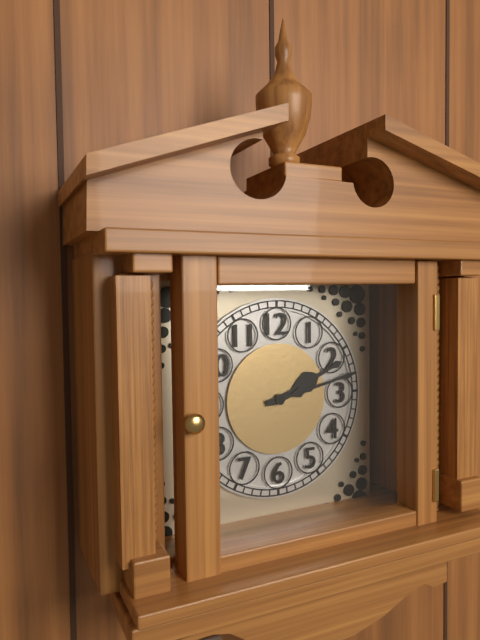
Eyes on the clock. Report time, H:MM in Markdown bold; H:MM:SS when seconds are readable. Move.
**2:13**
